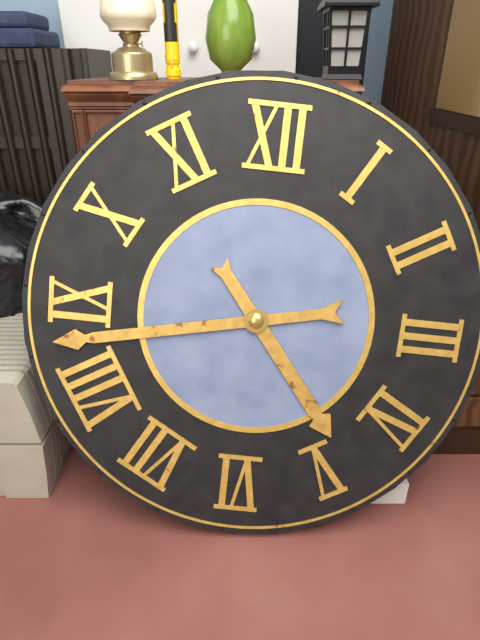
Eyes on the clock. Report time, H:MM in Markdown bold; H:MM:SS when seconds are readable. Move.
**4:43**
